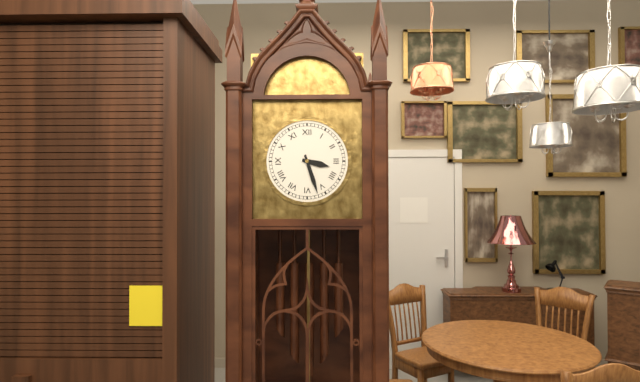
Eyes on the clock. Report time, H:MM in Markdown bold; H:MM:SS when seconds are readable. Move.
**3:27**
